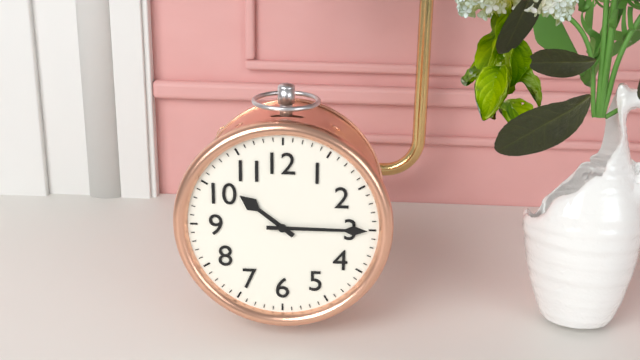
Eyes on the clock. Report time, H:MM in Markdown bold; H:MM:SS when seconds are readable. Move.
**10:15**
